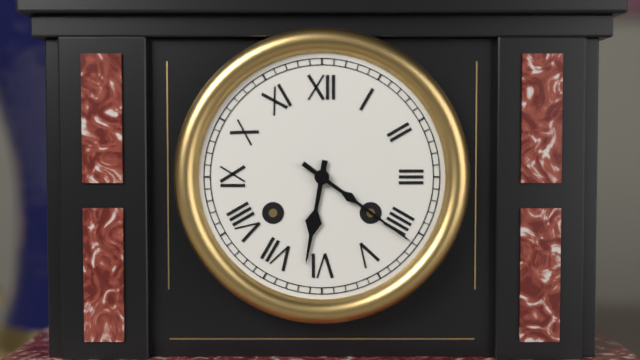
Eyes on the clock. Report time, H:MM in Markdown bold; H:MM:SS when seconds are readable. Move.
**6:21**
